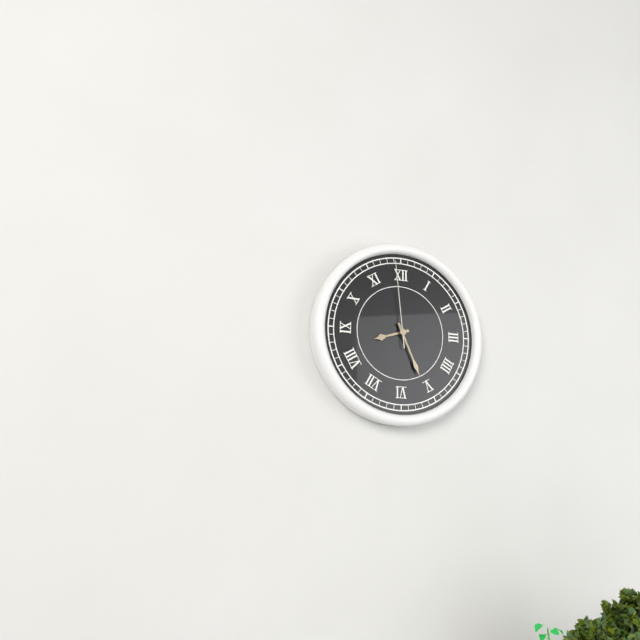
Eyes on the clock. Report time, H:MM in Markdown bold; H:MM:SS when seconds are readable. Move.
**8:26:59**
